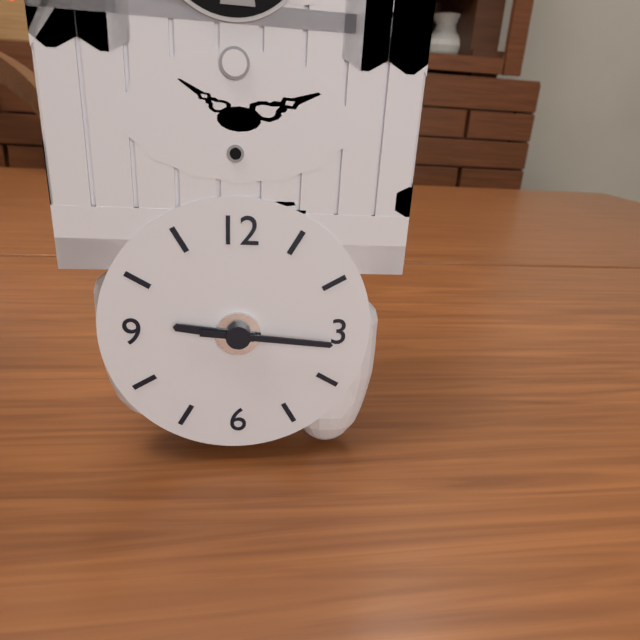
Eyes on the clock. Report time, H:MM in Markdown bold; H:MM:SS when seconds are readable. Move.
**9:16**
